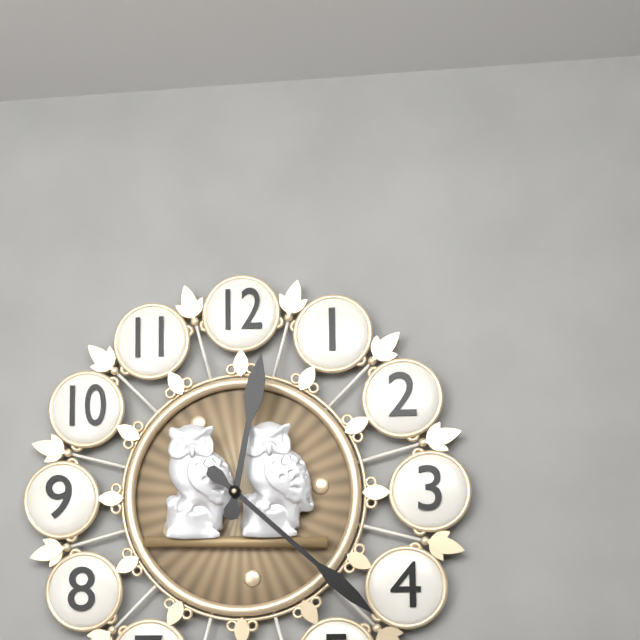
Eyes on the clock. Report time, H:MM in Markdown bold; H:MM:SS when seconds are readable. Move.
**12:22**
